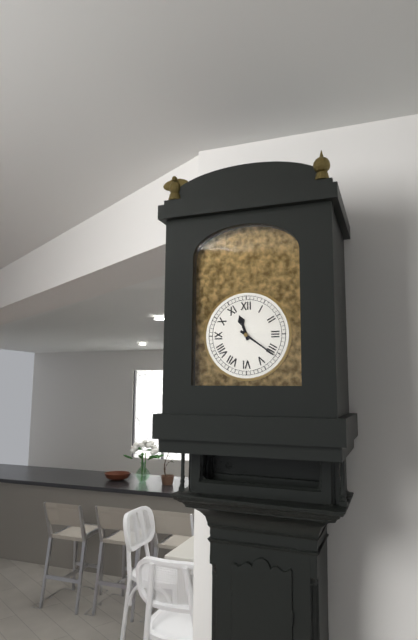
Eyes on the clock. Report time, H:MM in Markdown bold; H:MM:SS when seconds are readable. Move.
**11:21**
